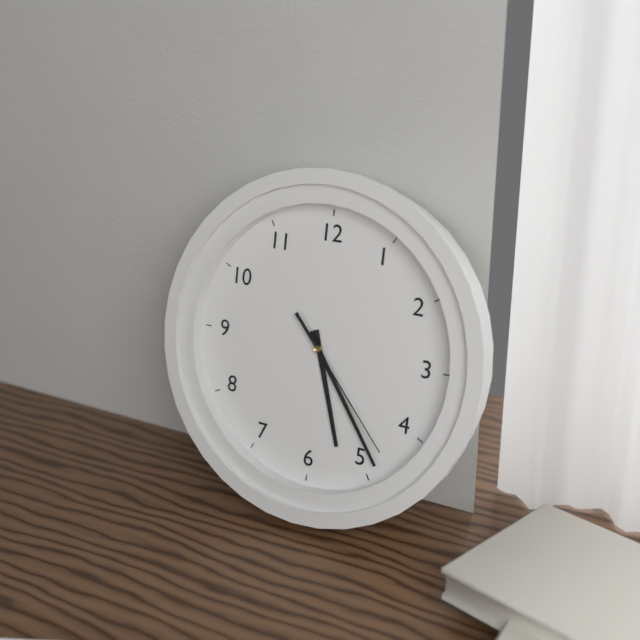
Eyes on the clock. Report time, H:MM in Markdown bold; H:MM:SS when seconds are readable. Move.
**5:24:23**
